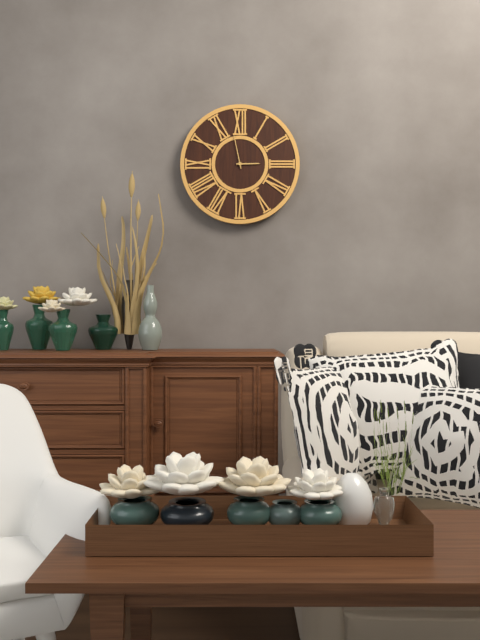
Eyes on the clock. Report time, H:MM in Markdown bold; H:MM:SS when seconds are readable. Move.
**2:58**
